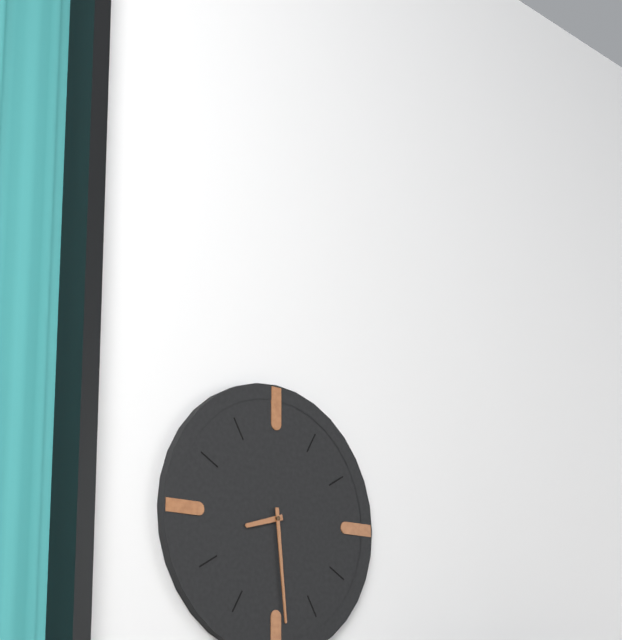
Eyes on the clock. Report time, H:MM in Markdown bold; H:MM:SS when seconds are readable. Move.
**8:29**
